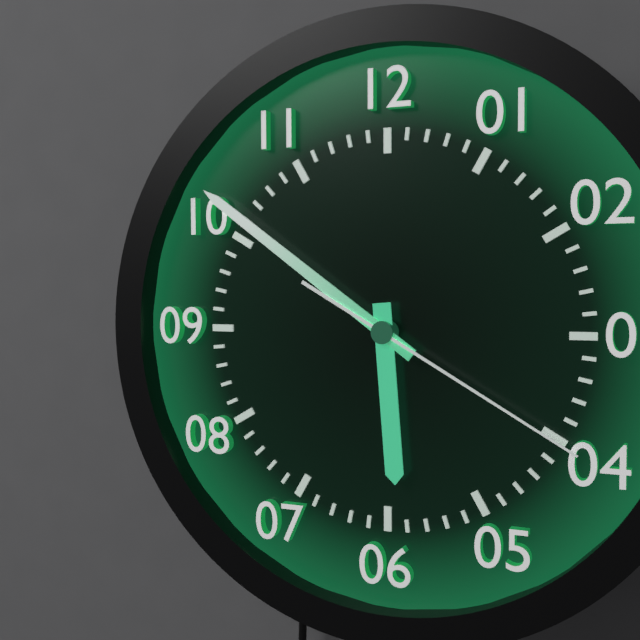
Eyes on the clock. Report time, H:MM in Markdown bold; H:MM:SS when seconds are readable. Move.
**5:51:20**
